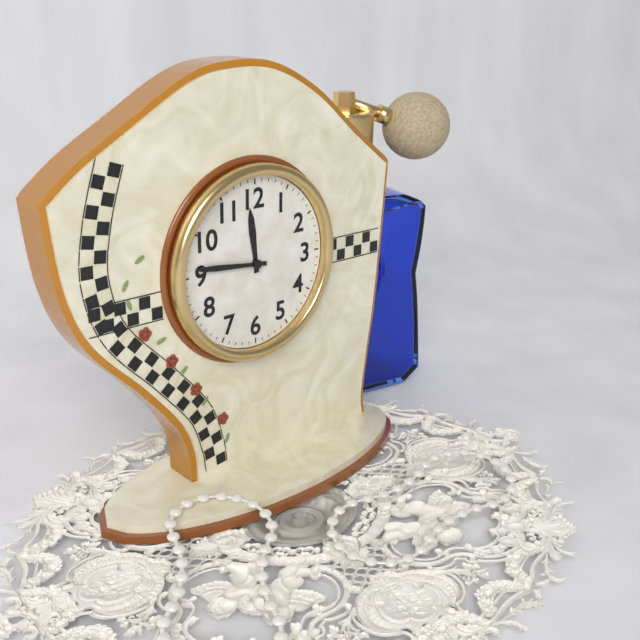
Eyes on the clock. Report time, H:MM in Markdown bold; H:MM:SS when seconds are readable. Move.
**11:46**
